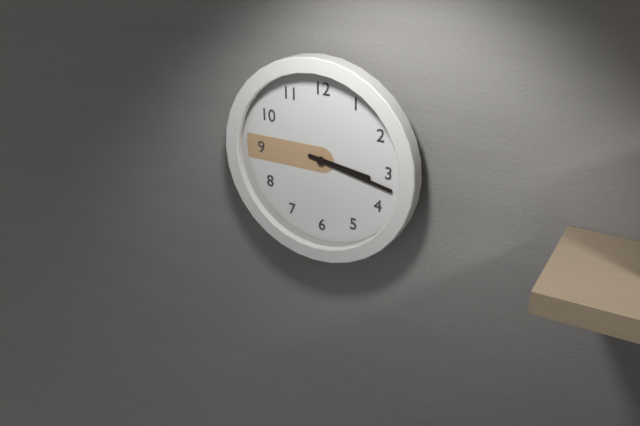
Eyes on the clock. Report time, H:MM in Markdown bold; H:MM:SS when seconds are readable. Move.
**3:17**
